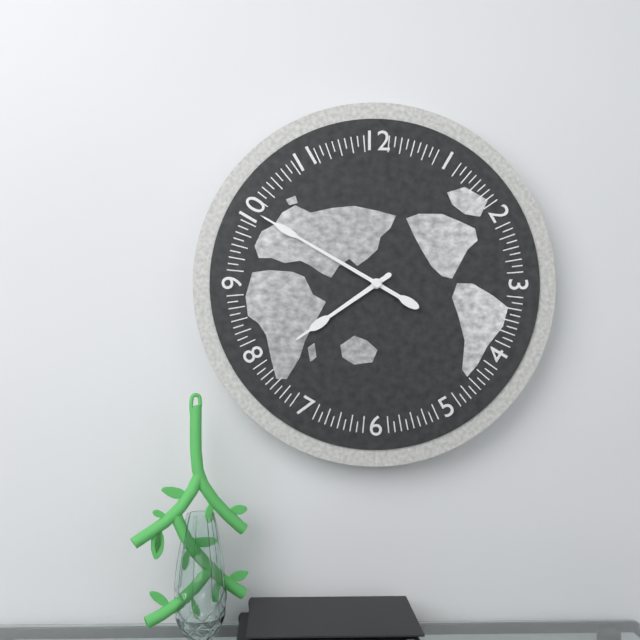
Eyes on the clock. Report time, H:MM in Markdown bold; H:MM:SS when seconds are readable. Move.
**7:50**
